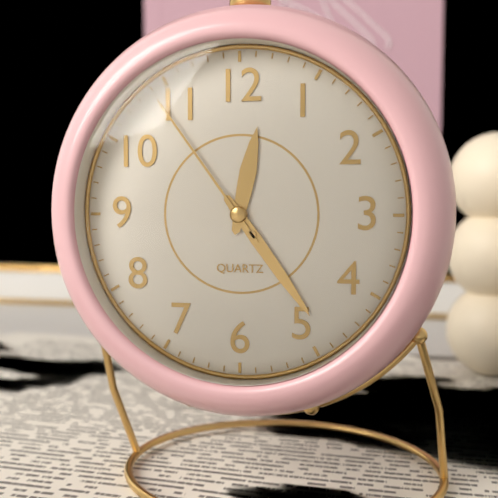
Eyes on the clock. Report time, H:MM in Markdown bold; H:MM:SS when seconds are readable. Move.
**12:24:54**
